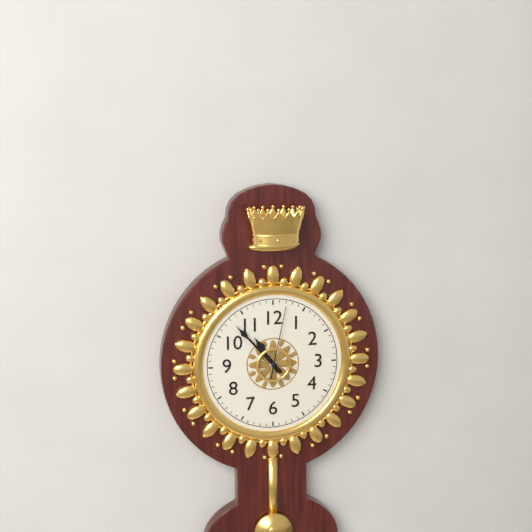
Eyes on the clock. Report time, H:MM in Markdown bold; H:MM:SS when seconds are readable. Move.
**10:53:02**
